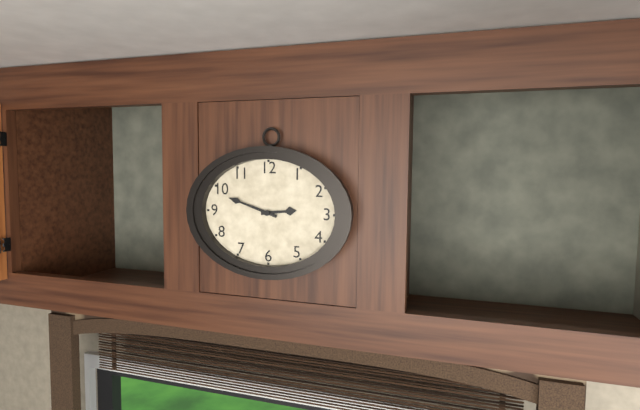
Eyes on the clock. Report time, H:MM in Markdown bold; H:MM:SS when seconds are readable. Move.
**2:48**
